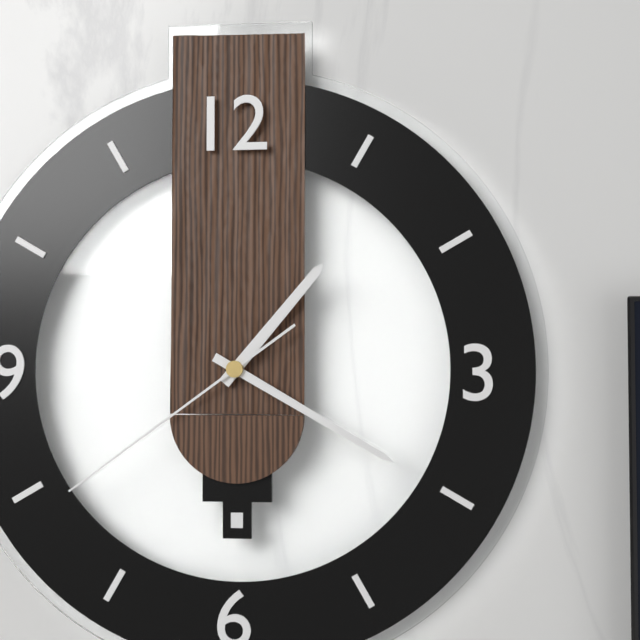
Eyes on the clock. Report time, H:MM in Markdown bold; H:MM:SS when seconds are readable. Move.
**1:20:39**
